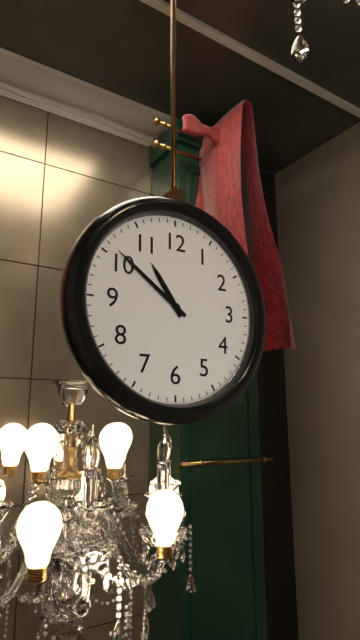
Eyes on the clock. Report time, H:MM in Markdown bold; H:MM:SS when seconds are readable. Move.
**10:51**
